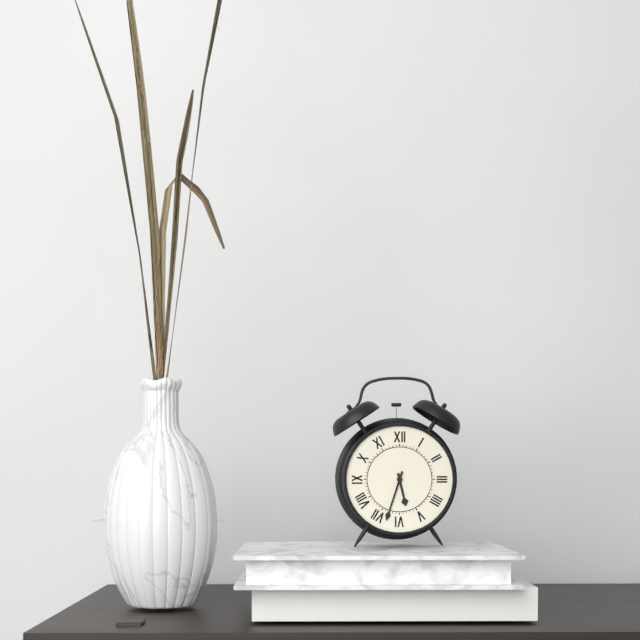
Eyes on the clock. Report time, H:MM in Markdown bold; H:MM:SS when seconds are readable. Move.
**5:33**
